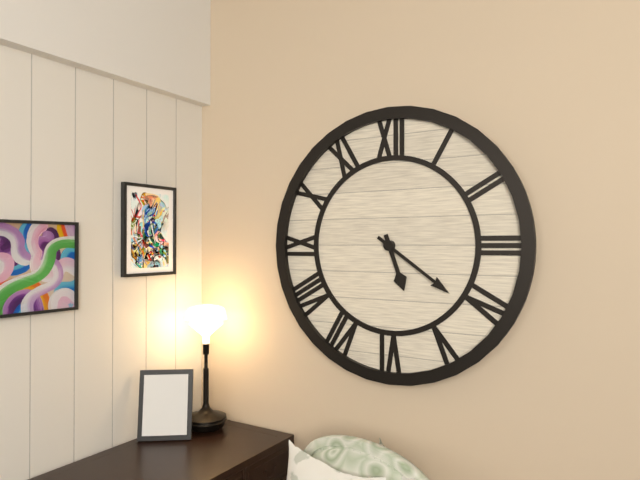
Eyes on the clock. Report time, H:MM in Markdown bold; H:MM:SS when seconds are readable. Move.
**5:21**
